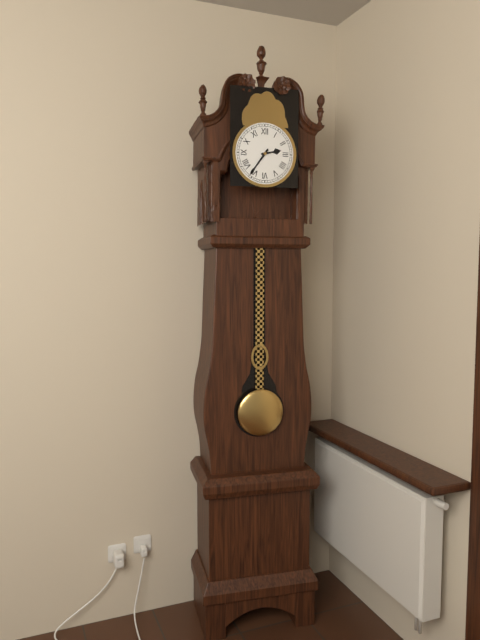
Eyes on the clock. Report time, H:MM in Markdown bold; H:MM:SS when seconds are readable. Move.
**2:36**
